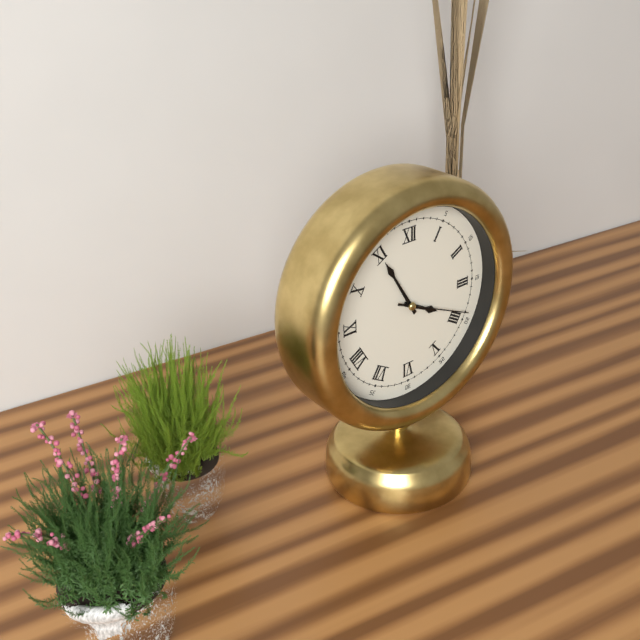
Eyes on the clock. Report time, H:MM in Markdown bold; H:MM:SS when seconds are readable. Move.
**3:55:19**
